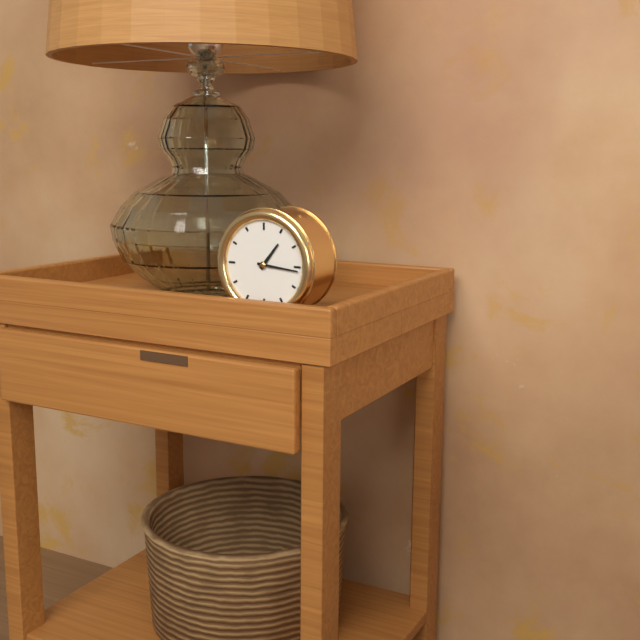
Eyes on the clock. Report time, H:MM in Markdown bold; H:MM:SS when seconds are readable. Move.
**1:16**
